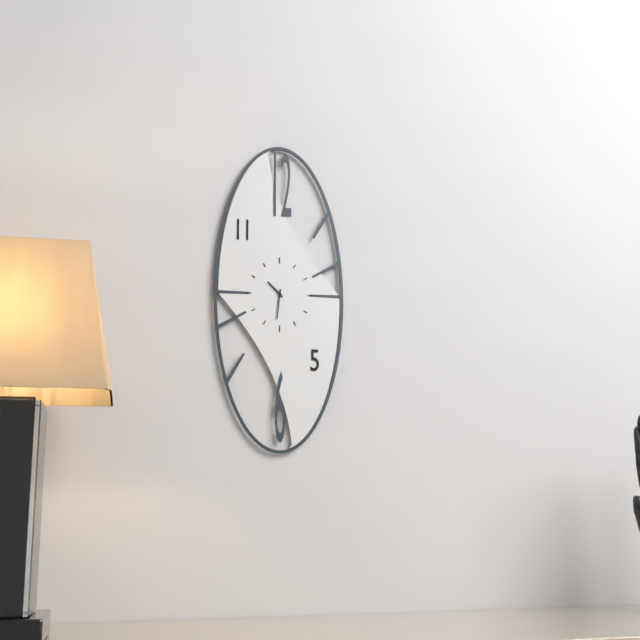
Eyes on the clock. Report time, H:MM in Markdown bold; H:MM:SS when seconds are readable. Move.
**10:31**
